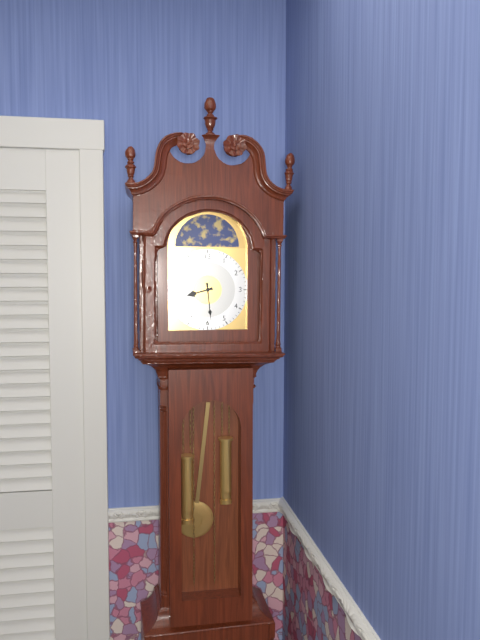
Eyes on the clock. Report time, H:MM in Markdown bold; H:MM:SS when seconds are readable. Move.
**8:29**
